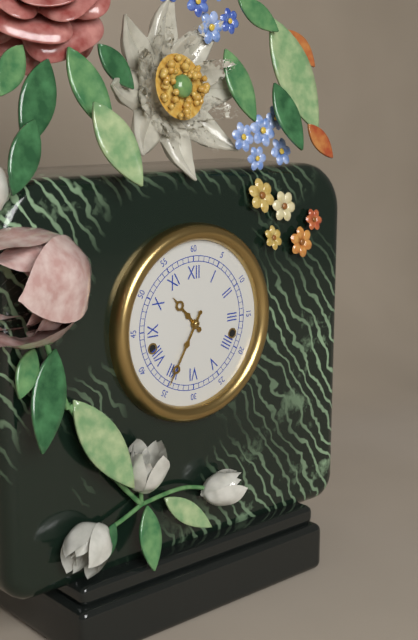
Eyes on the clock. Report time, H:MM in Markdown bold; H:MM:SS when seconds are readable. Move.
**10:35**
